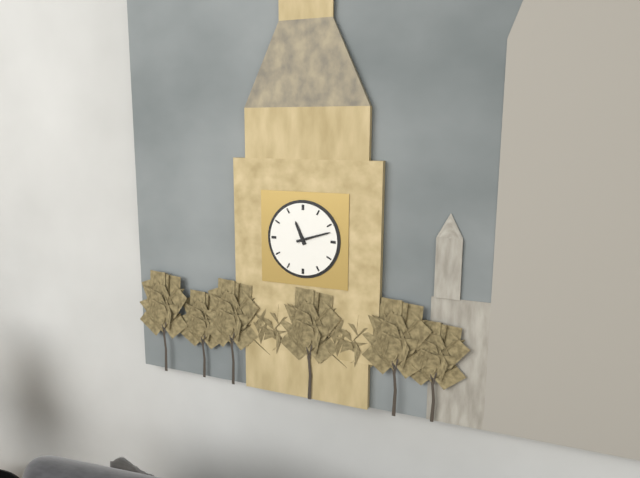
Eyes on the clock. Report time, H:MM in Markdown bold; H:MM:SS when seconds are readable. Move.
**11:12**
